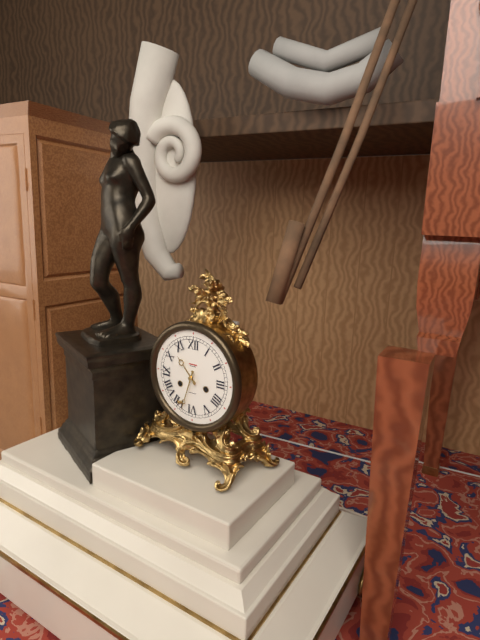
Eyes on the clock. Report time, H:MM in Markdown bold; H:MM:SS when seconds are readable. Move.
**10:33**
